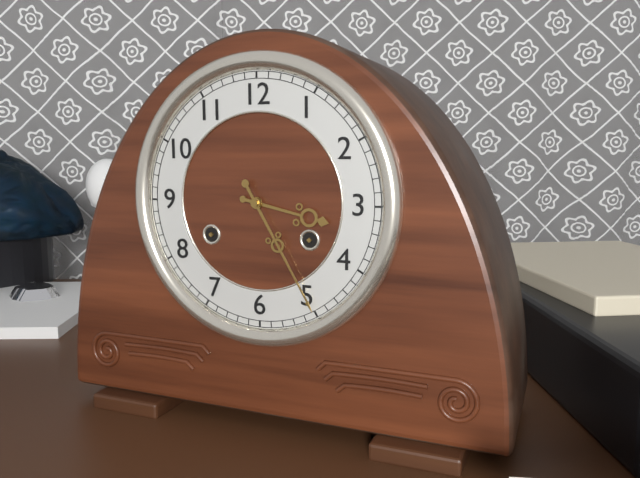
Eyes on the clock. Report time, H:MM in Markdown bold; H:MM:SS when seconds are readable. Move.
**3:25**
